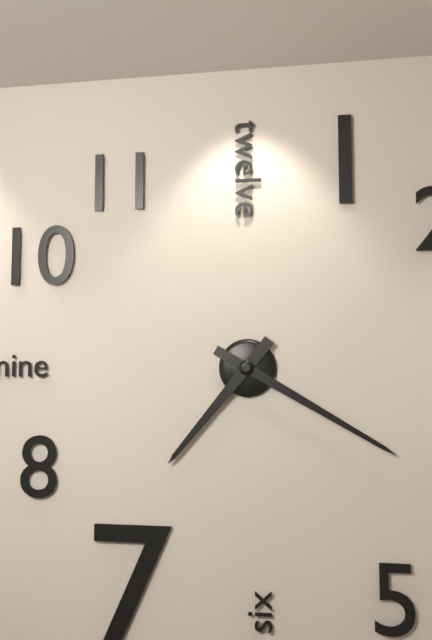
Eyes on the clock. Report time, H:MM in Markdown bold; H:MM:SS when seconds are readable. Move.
**7:20**
